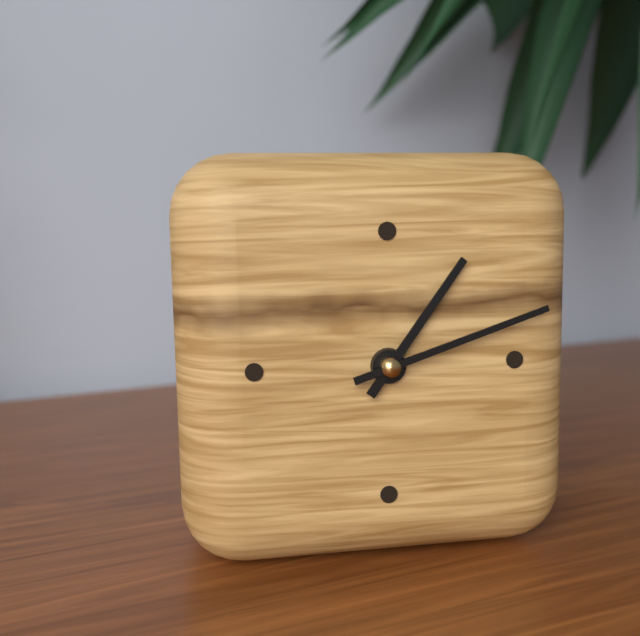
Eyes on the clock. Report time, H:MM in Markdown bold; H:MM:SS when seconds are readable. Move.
**1:12**
